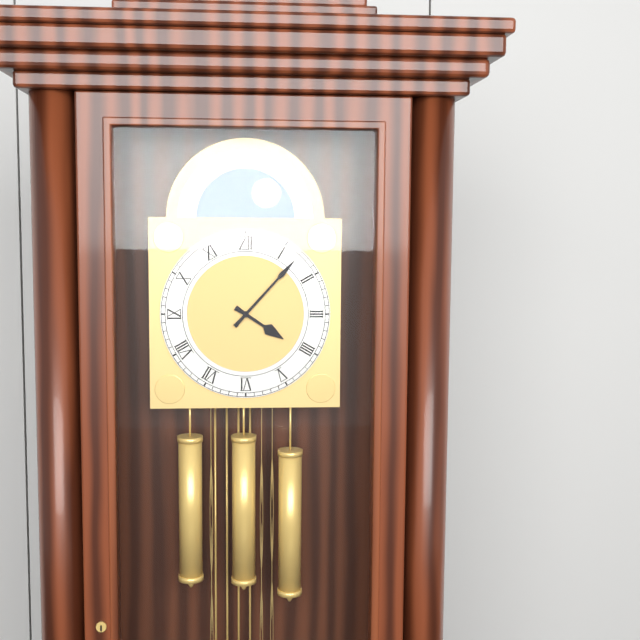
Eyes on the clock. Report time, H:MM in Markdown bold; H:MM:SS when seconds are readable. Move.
**4:07**
